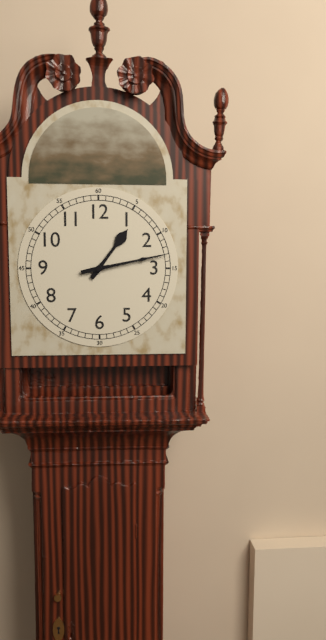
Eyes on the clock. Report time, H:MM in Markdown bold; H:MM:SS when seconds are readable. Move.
**1:13**
